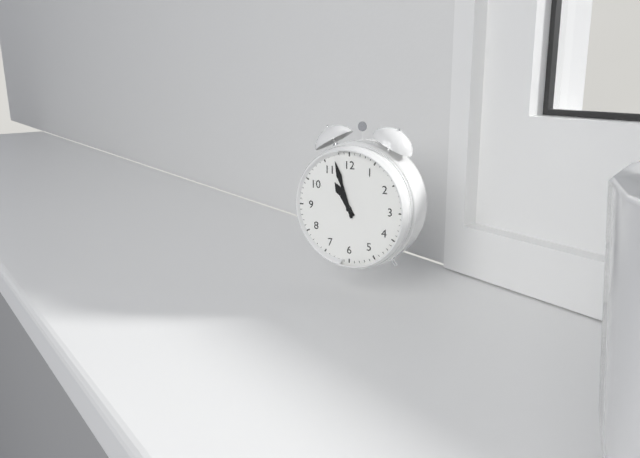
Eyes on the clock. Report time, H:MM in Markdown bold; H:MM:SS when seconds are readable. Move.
**10:57**
